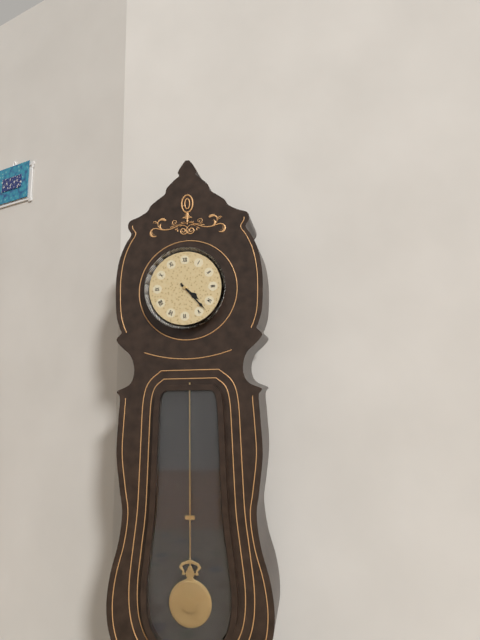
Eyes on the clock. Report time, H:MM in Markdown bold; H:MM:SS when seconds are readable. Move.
**4:23**
